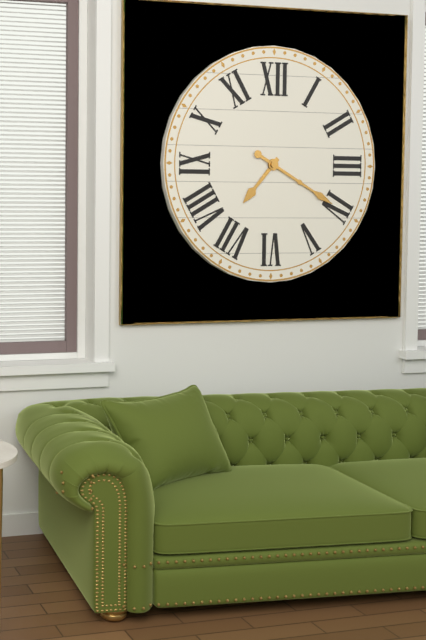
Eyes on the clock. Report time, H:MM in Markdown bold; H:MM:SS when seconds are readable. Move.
**7:20**
